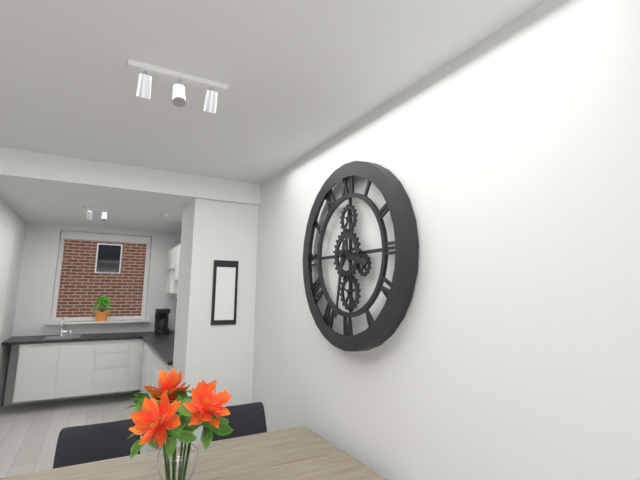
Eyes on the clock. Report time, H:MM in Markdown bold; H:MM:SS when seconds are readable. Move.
**3:32**
